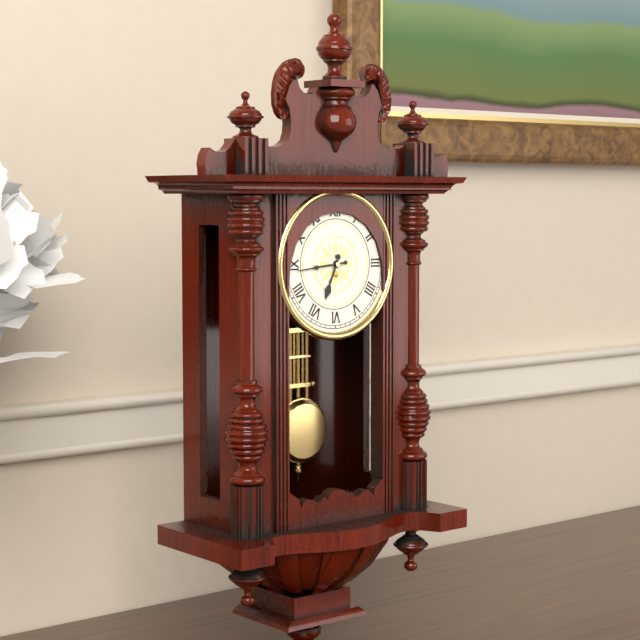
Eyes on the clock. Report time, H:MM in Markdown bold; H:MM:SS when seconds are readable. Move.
**6:44**
